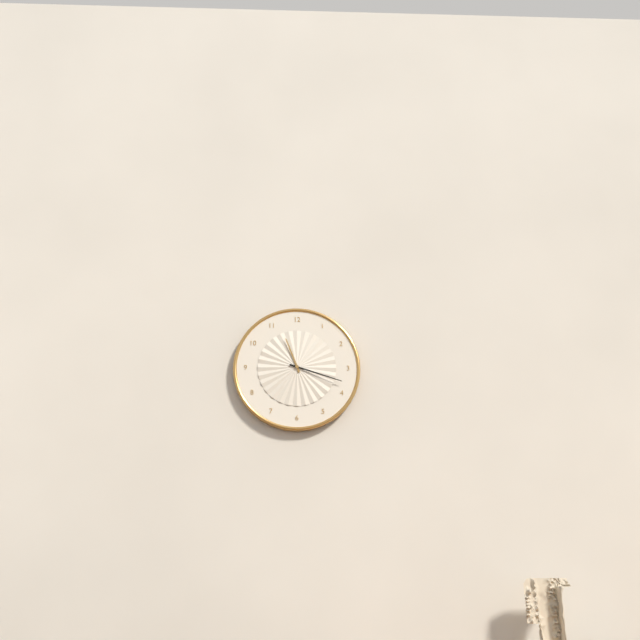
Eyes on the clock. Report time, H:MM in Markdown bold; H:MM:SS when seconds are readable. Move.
**11:18**
